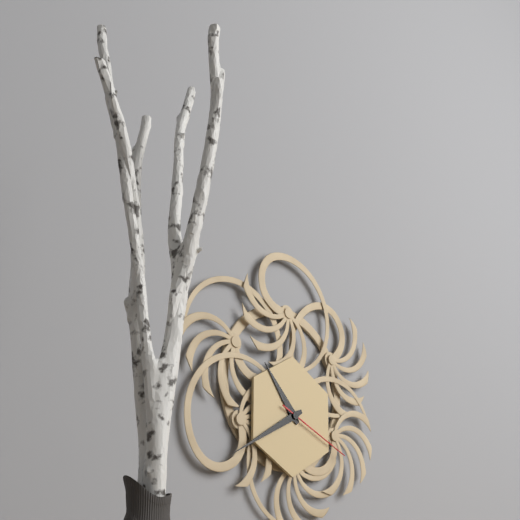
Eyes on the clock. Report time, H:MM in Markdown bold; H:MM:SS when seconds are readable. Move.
**10:40:19**
